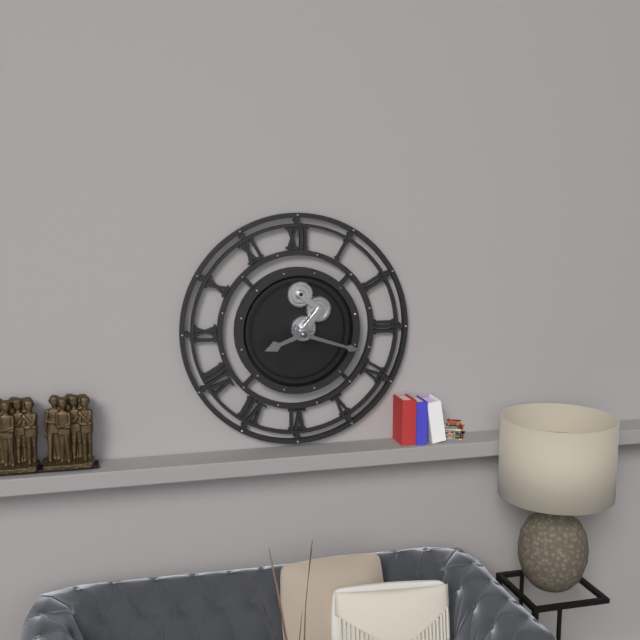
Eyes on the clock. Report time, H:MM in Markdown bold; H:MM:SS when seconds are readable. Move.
**8:18**
